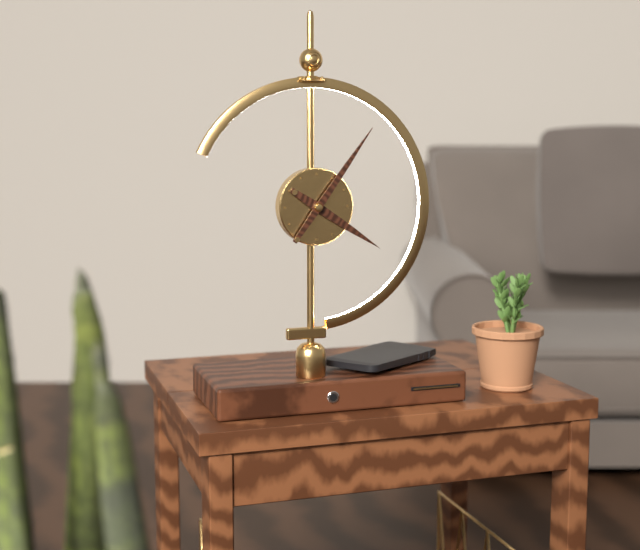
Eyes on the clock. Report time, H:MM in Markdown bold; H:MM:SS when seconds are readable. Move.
**4:06**
